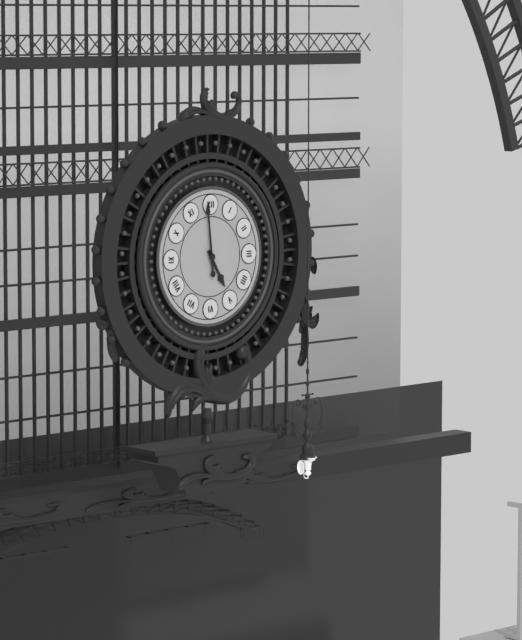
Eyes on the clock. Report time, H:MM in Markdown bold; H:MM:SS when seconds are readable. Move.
**4:59**
